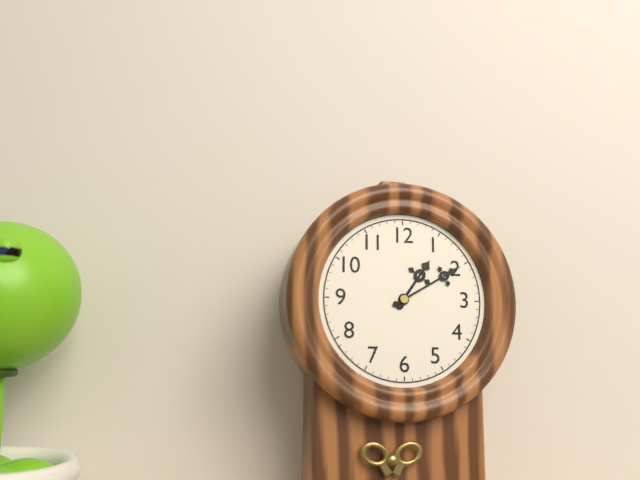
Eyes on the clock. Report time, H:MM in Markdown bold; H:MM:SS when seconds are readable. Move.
**1:10**
